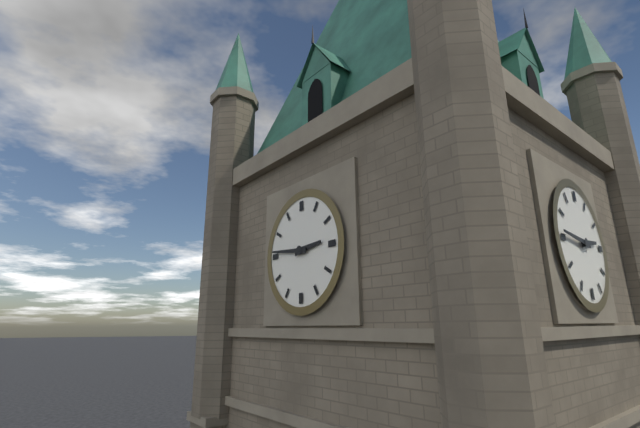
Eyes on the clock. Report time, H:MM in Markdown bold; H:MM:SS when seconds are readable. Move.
**2:46**
